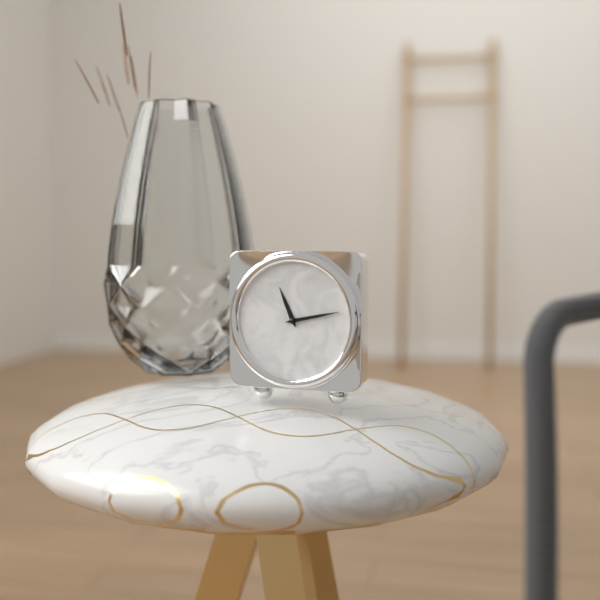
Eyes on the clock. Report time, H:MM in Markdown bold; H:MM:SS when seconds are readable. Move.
**11:13**
